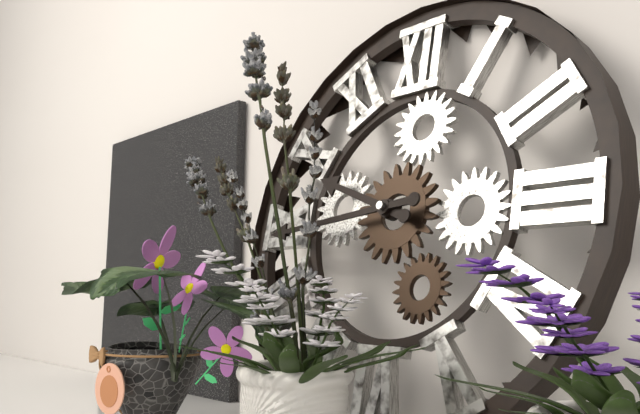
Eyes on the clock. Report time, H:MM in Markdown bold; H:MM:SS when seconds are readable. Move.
**9:44**
